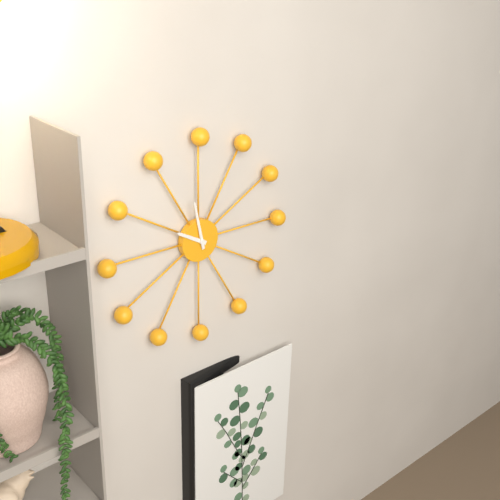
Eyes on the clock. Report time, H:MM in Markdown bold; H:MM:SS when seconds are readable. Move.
**9:58**
